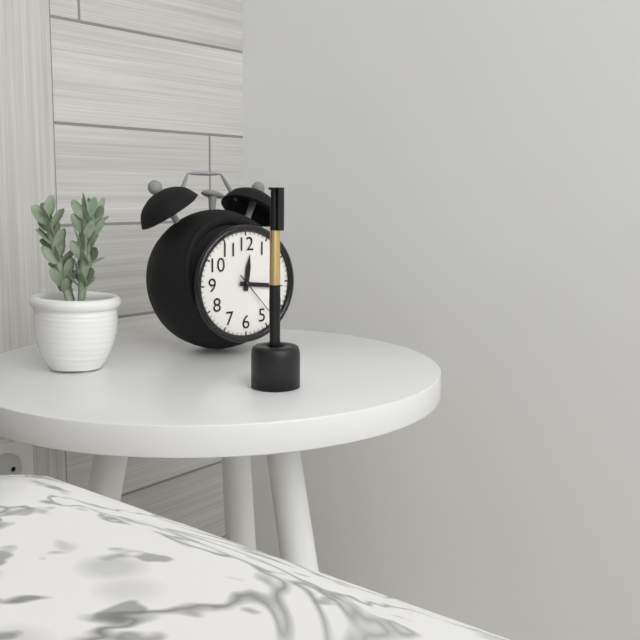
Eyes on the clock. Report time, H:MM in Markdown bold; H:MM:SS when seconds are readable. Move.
**12:16:23**
